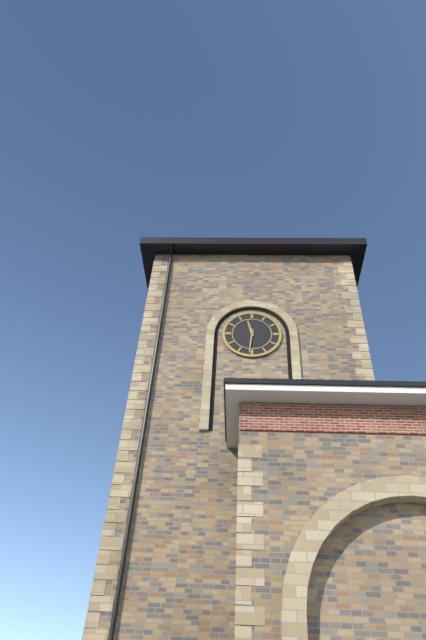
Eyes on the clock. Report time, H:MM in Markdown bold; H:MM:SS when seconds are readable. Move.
**11:31**
